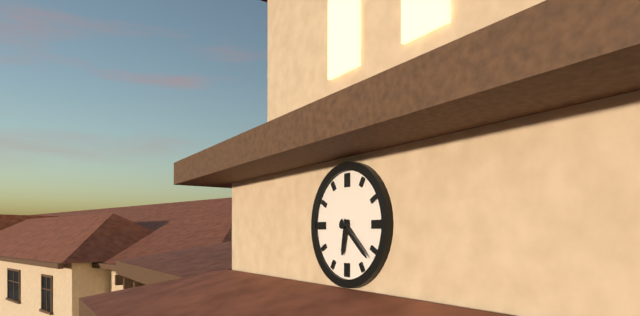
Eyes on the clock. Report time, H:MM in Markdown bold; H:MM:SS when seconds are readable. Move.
**6:22**
